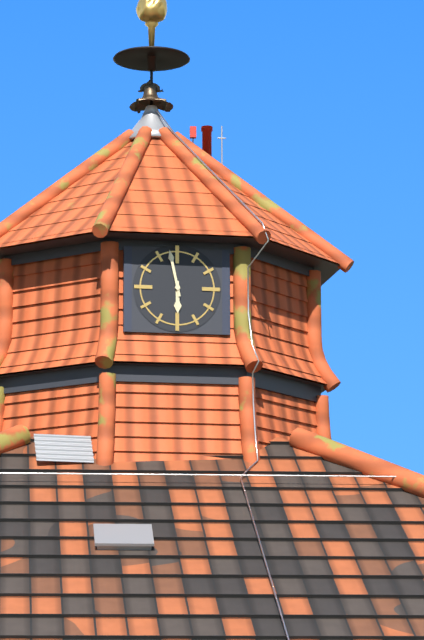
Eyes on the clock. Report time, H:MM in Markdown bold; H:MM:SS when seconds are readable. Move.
**5:58**
